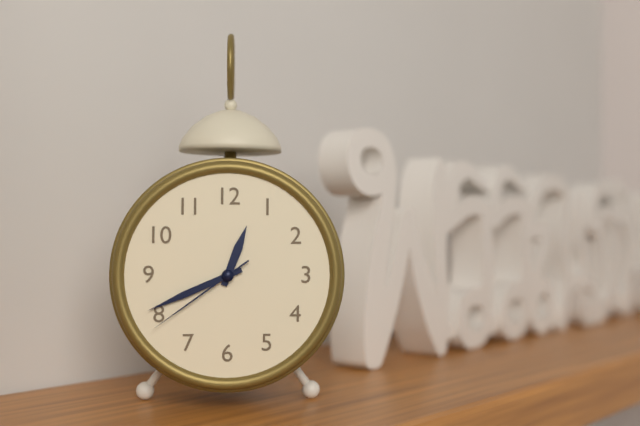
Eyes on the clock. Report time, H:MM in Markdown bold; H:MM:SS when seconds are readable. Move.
**12:41:39**
